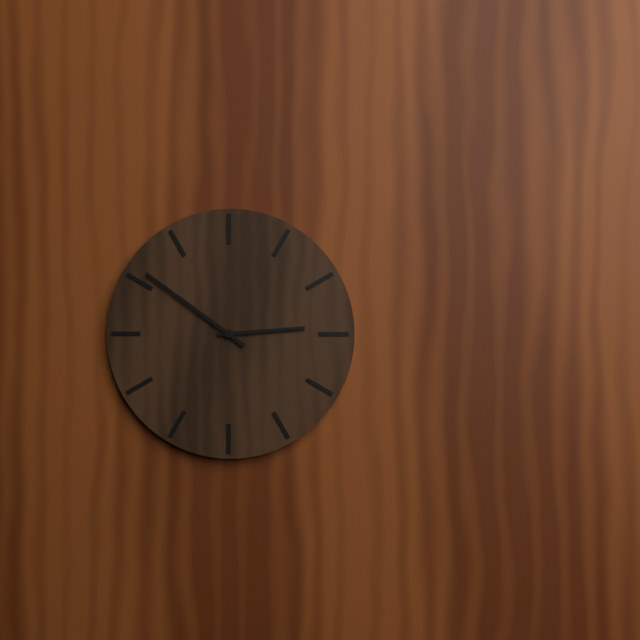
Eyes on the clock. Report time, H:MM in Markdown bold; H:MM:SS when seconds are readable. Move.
**2:51**
